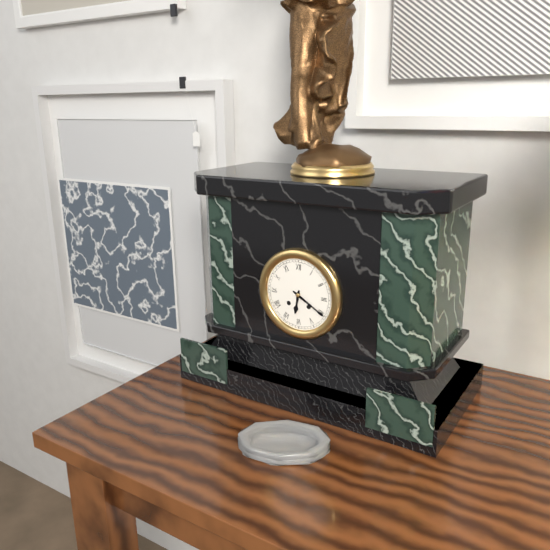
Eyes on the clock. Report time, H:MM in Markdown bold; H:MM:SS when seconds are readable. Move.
**6:20**
